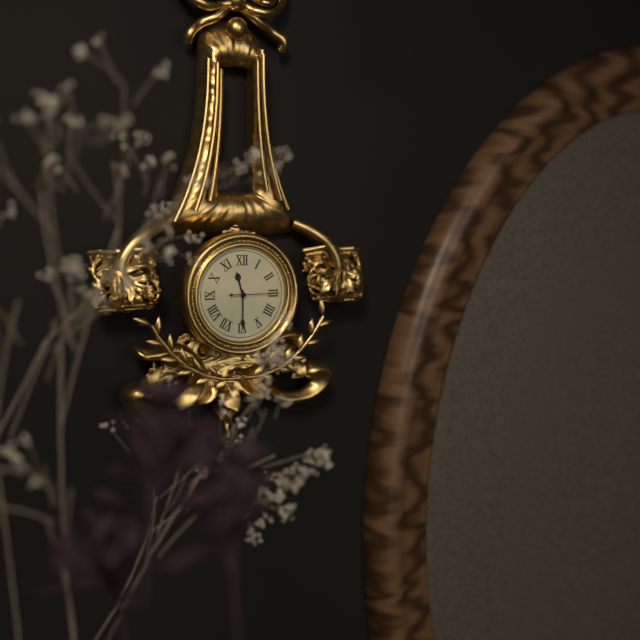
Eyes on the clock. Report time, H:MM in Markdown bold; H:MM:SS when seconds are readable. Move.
**11:30**
